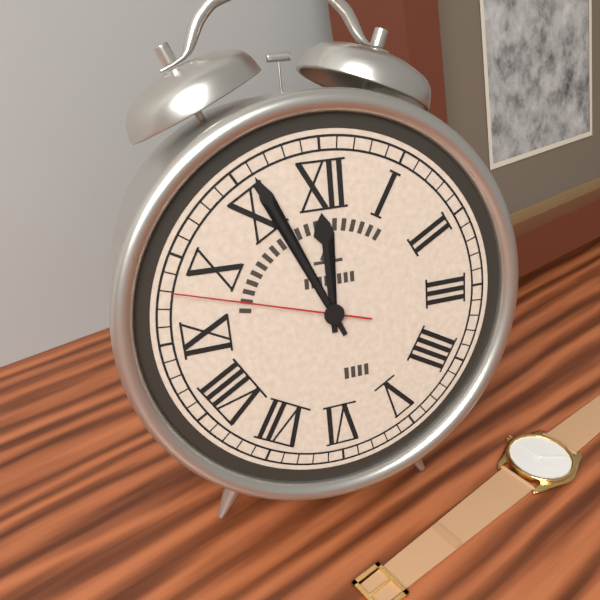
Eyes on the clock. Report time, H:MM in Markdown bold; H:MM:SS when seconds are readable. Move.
**11:56:48**
